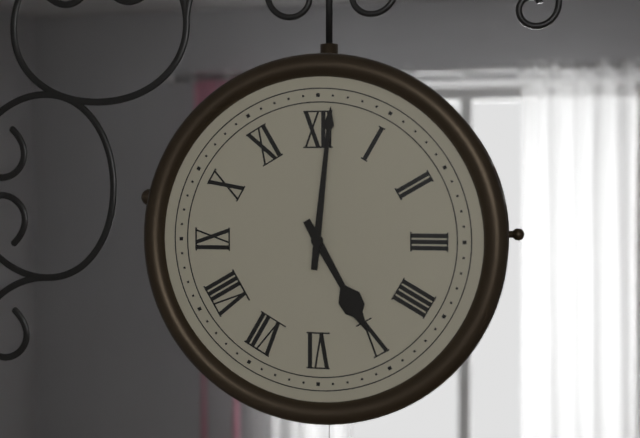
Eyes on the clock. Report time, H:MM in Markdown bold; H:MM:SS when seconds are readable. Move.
**5:01**
